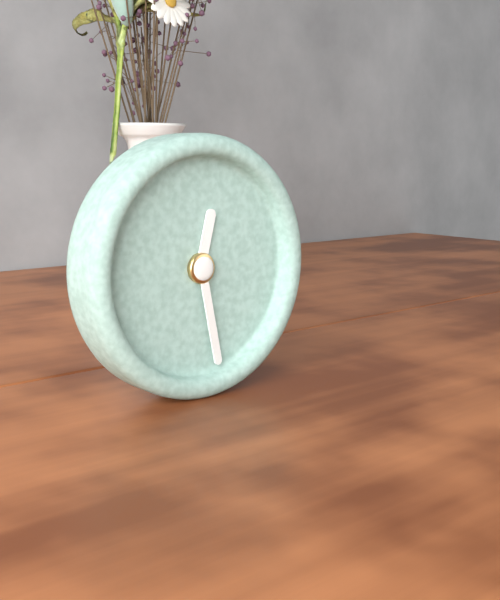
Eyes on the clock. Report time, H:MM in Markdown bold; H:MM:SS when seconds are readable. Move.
**12:28**
